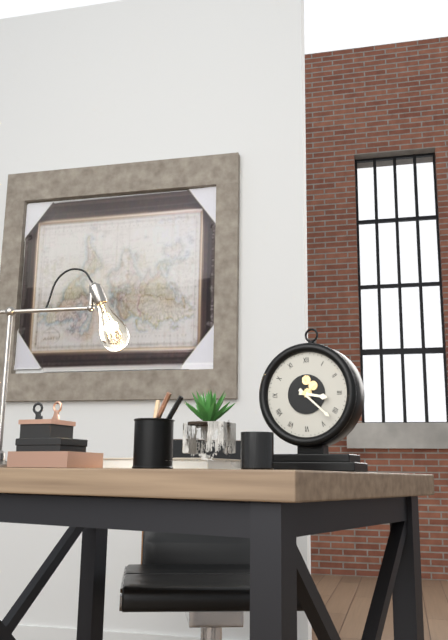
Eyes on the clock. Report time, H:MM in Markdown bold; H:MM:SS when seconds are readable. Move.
**3:22**
